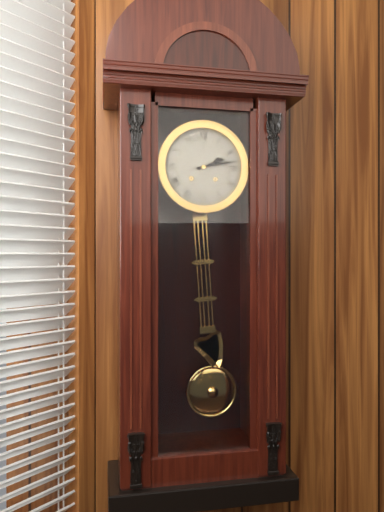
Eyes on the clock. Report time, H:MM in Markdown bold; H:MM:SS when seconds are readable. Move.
**2:13**
